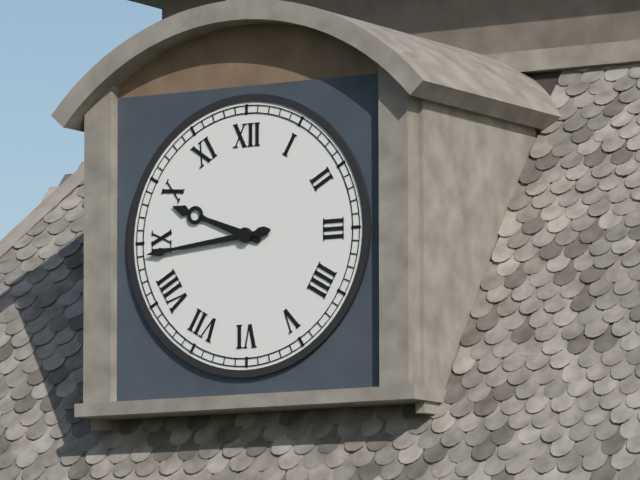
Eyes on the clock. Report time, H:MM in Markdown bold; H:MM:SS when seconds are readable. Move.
**9:44**
